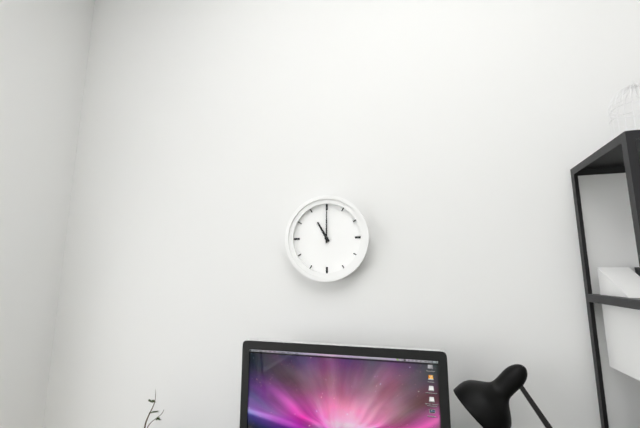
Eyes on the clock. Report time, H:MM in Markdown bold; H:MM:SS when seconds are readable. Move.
**11:00**
